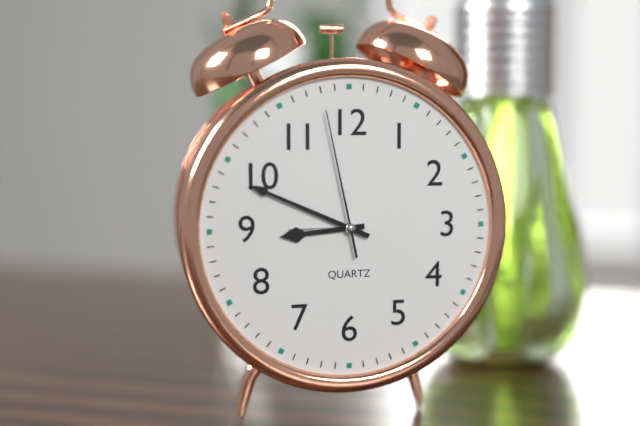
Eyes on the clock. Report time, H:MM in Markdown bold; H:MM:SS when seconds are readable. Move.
**8:49:58**
